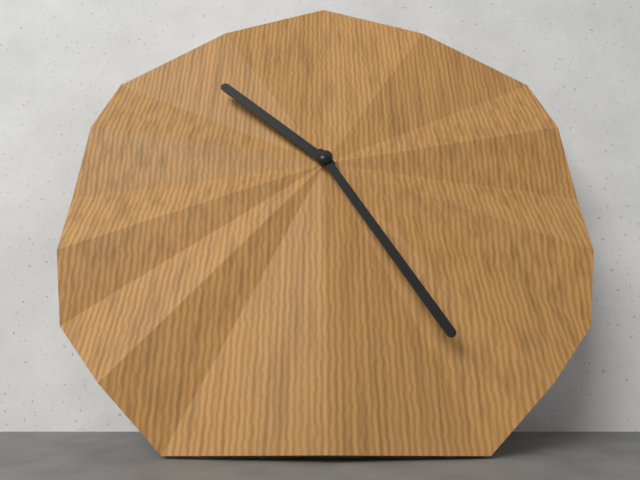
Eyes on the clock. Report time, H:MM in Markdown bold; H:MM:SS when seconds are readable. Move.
**10:25**
